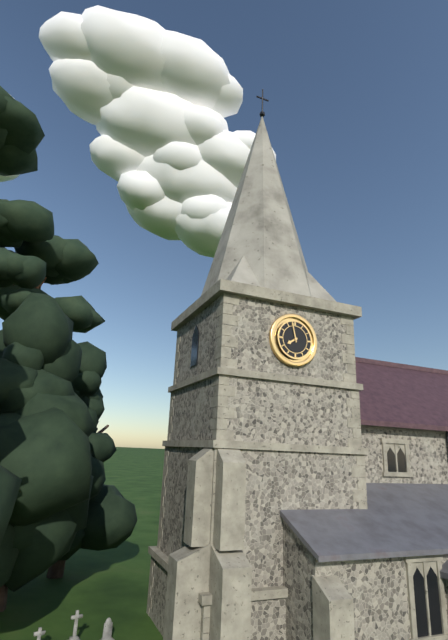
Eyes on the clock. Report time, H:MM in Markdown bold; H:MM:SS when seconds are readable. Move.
**7:58**
